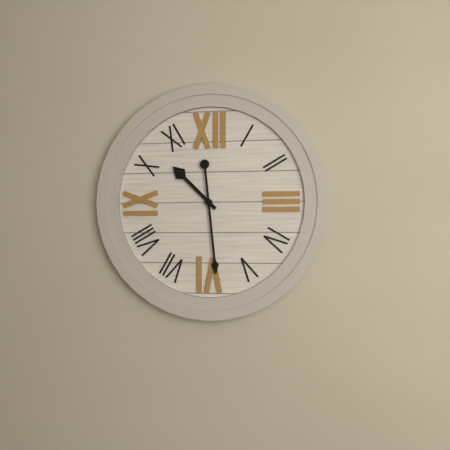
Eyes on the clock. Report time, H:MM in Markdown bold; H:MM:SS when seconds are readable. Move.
**10:29**
